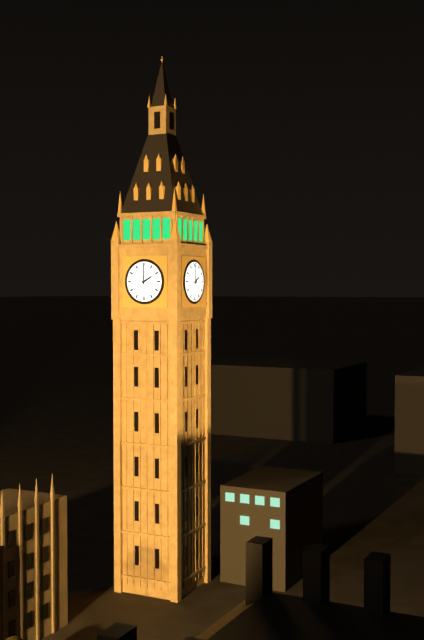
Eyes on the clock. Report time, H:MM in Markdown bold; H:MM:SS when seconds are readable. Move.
**2:00**
